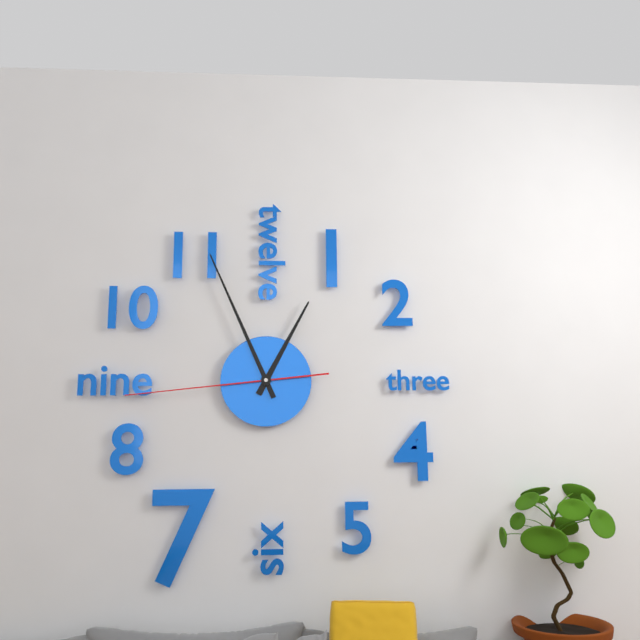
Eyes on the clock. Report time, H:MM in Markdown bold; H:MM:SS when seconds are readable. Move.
**12:56:44**
